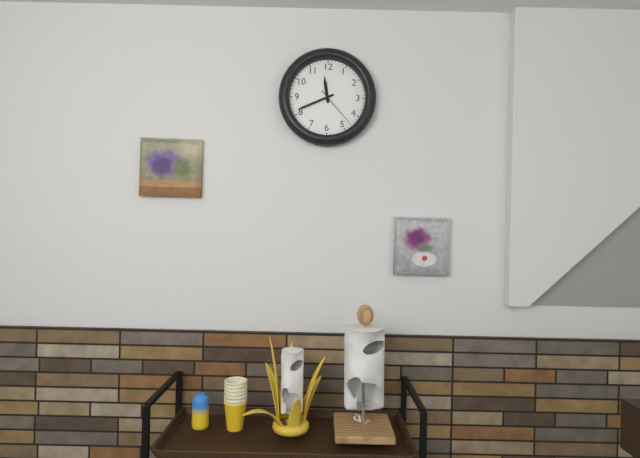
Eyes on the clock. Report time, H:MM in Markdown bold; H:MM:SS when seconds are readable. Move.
**11:41**
